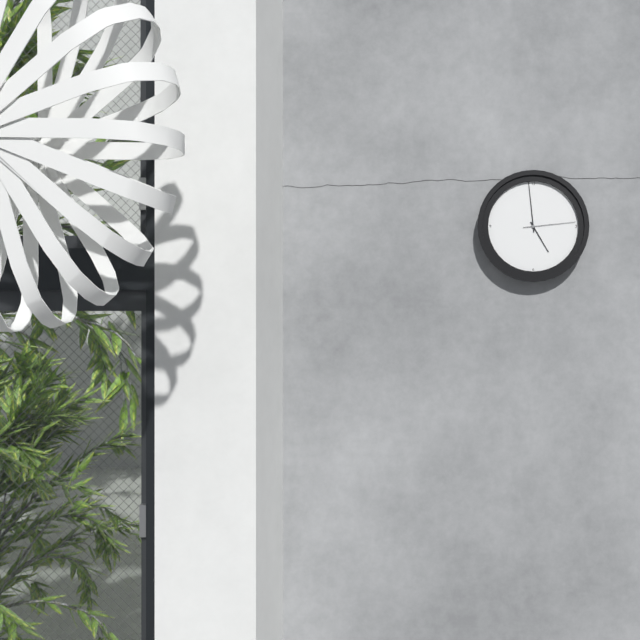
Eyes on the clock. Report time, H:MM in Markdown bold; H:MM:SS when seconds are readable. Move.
**4:59:14**
